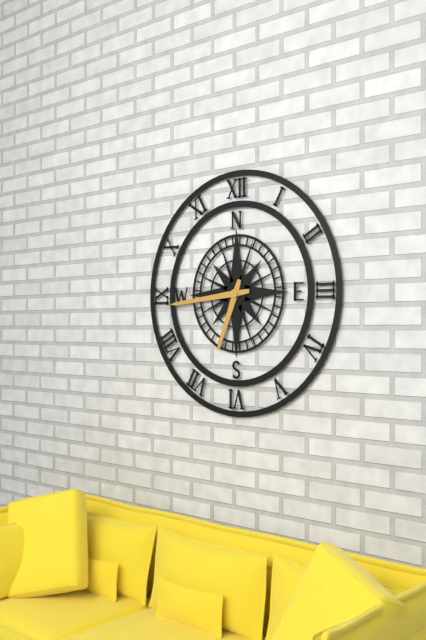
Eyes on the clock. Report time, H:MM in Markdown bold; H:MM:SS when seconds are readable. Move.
**6:44**
